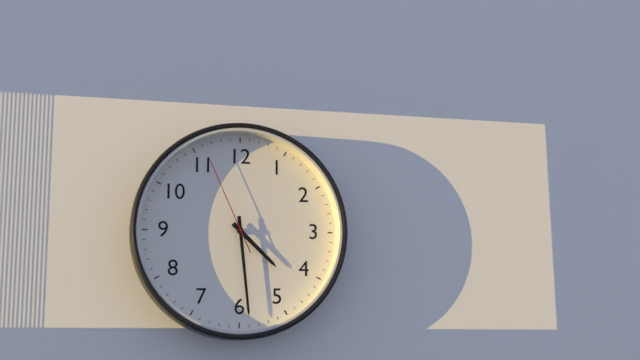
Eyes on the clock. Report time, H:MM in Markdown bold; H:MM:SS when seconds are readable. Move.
**4:29:56**
